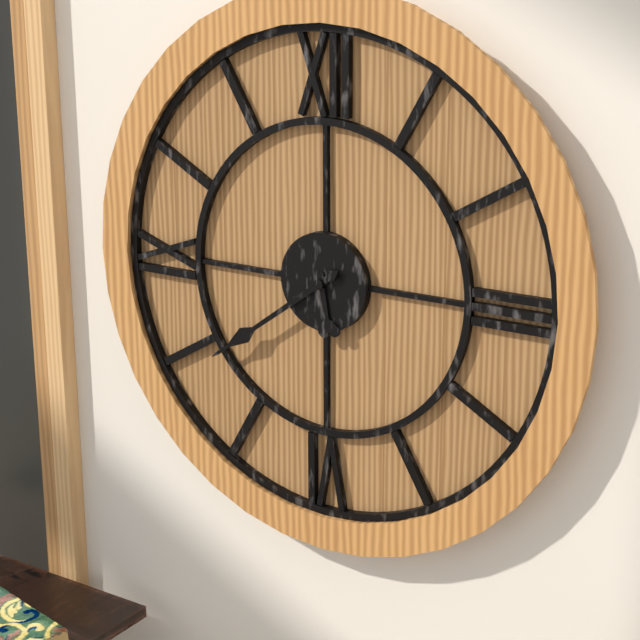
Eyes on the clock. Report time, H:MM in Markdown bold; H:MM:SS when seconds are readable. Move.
**5:39**
